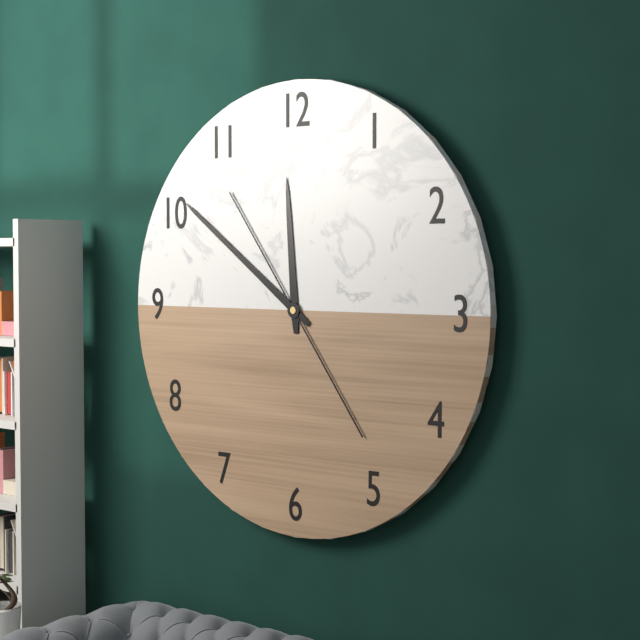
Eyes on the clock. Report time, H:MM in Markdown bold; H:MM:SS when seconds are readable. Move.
**11:51**
